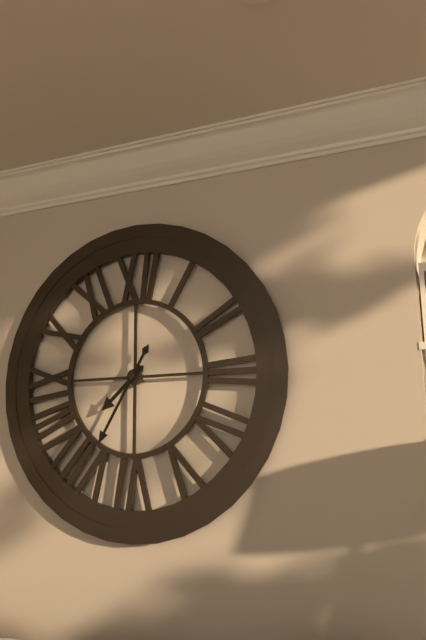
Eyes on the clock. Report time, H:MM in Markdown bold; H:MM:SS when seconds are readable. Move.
**7:35**
